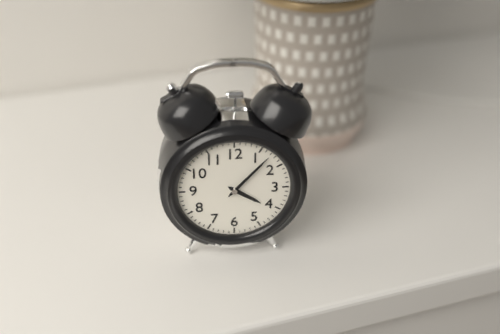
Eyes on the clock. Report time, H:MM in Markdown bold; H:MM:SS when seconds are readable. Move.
**4:07**
